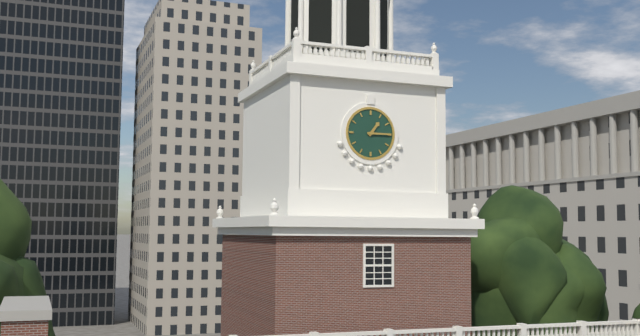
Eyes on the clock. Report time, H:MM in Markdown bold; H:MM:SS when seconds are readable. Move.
**1:15**
